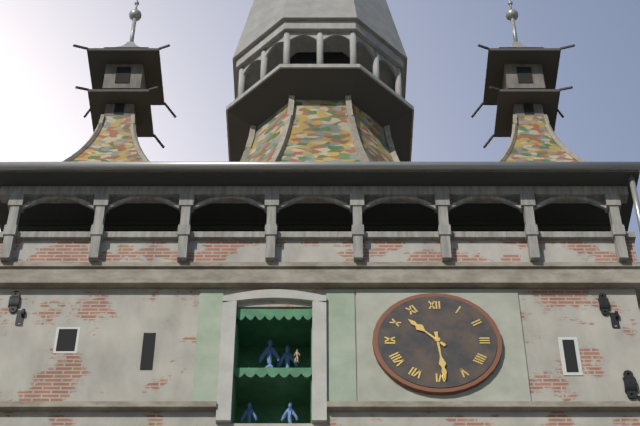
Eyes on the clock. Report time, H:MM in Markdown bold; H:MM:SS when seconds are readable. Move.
**10:29**
